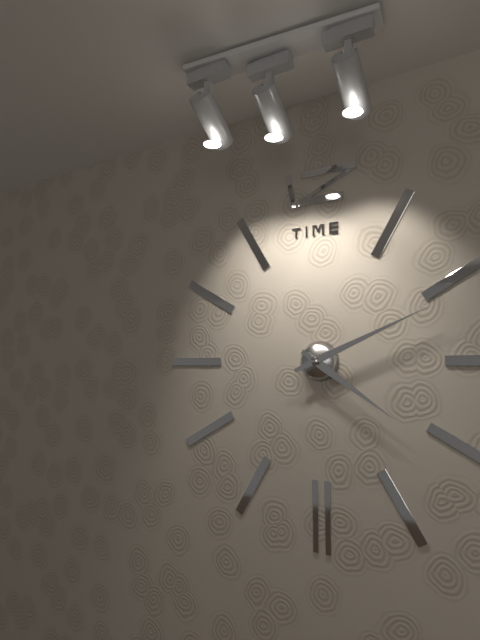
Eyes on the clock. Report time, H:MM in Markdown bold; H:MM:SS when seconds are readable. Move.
**4:11**
